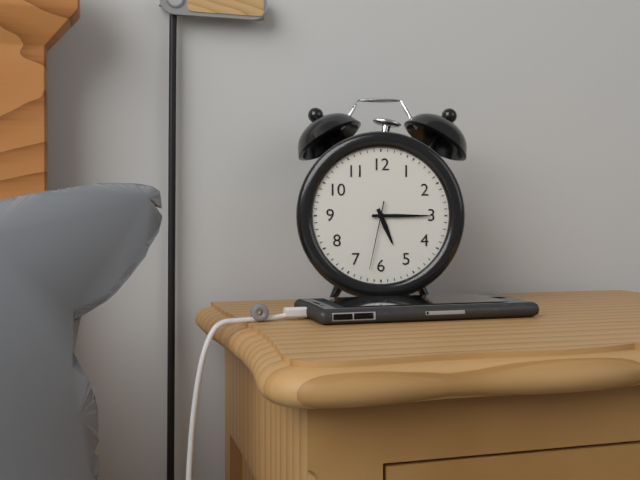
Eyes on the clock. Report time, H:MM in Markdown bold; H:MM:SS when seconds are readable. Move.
**5:15:32**
